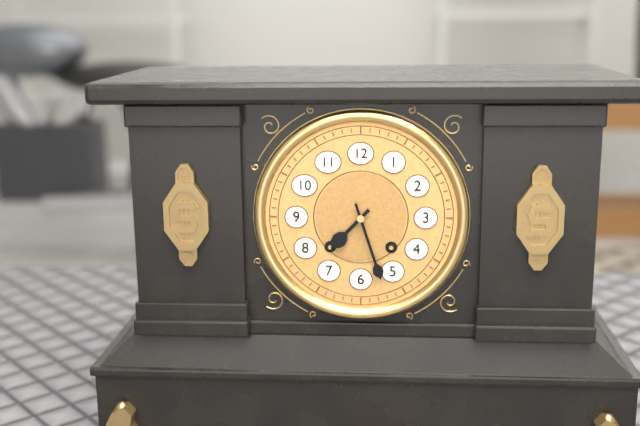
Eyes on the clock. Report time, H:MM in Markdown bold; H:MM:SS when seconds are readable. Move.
**7:27**
